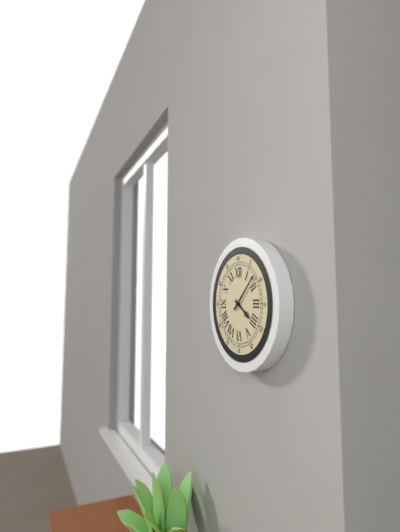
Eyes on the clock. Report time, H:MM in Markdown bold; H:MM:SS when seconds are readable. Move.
**4:08**
